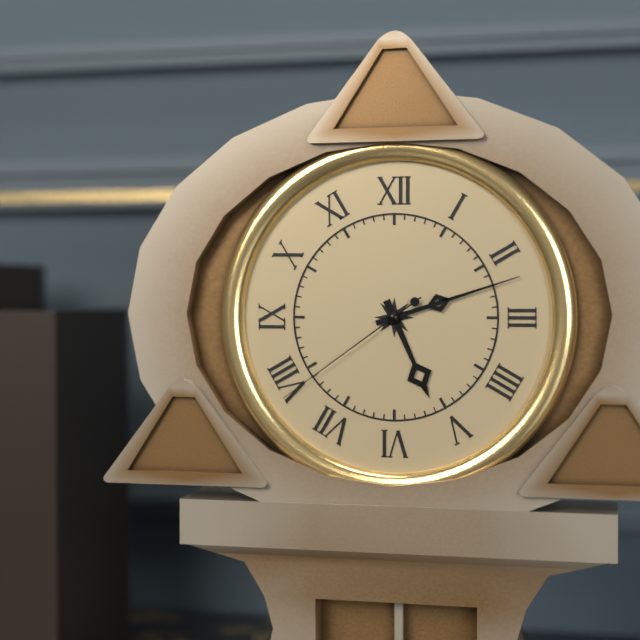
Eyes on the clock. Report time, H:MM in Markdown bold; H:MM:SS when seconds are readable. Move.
**5:12:39**
